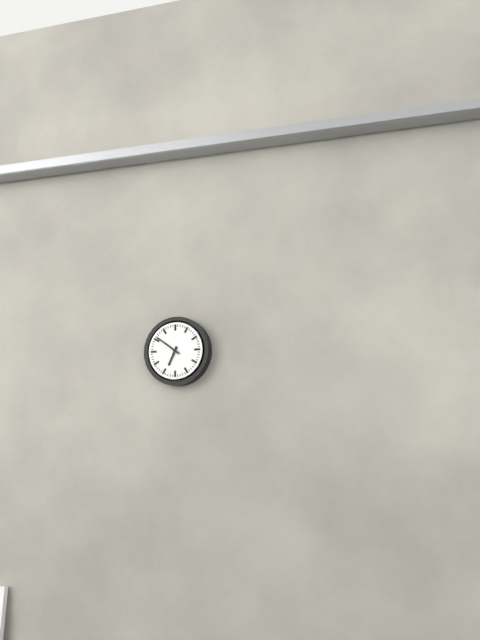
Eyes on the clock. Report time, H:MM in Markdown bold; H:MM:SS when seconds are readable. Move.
**6:51**
